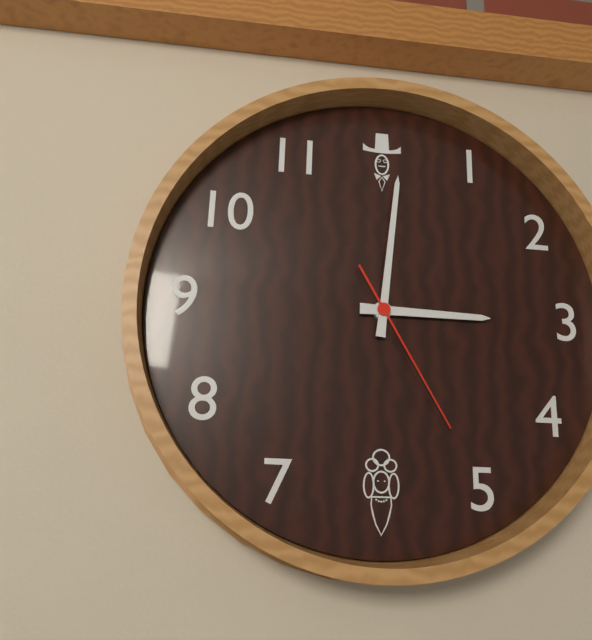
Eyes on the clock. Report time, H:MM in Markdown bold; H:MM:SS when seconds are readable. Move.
**3:01:25**
